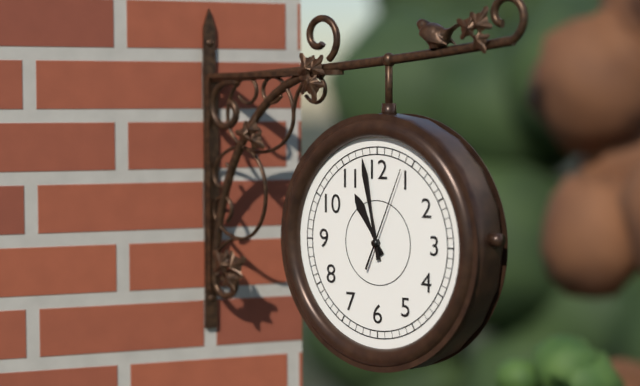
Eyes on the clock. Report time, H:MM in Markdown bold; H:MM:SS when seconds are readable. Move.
**10:58:04**
